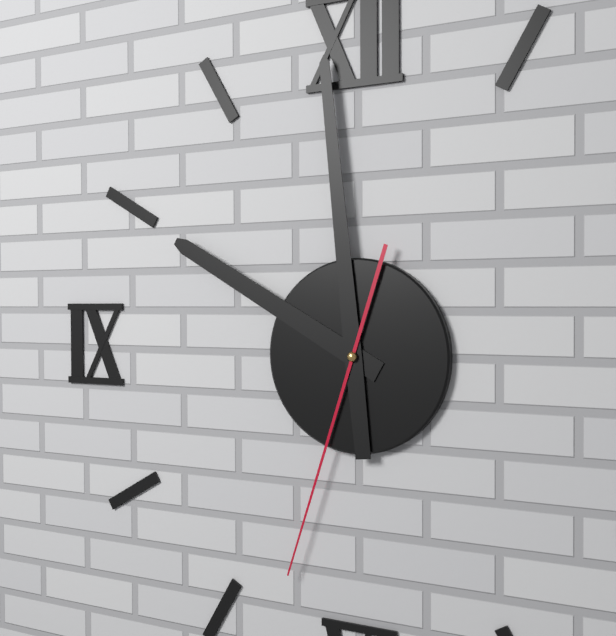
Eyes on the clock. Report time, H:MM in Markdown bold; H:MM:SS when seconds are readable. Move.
**9:59:33**
